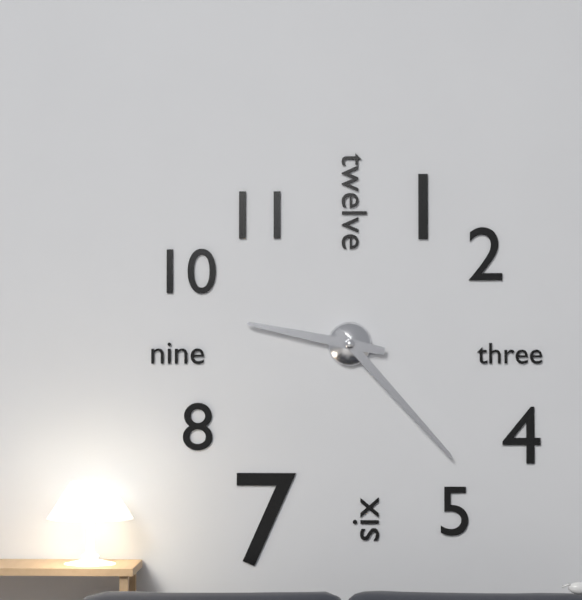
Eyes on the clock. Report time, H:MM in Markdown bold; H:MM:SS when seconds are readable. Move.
**9:23**
